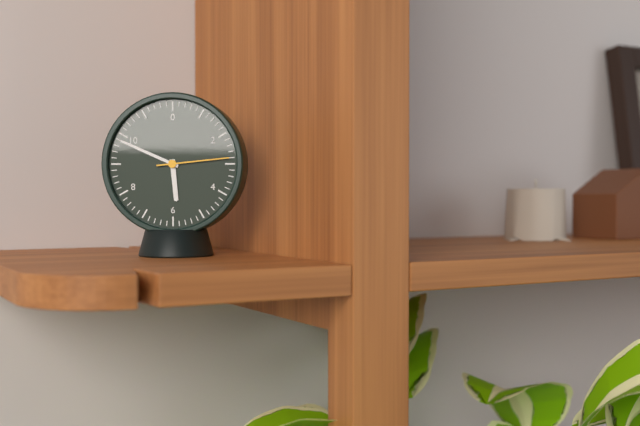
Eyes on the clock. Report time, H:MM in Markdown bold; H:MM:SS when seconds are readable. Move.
**5:49:14**
